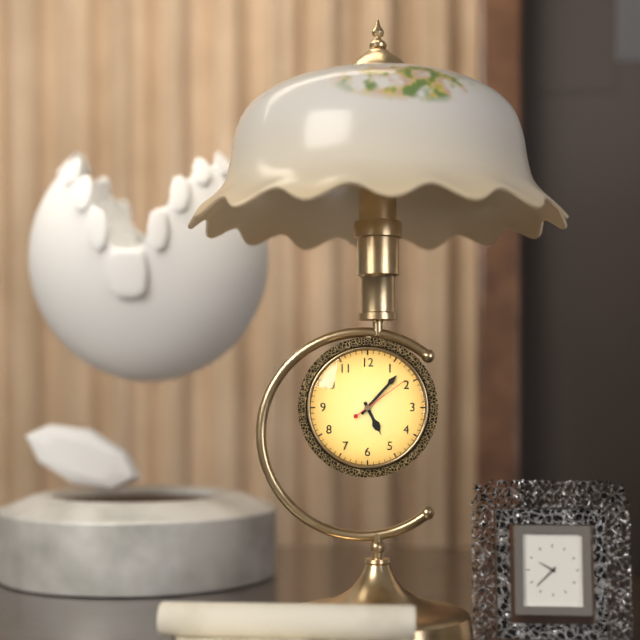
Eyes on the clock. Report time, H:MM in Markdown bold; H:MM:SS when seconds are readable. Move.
**5:07:09**
